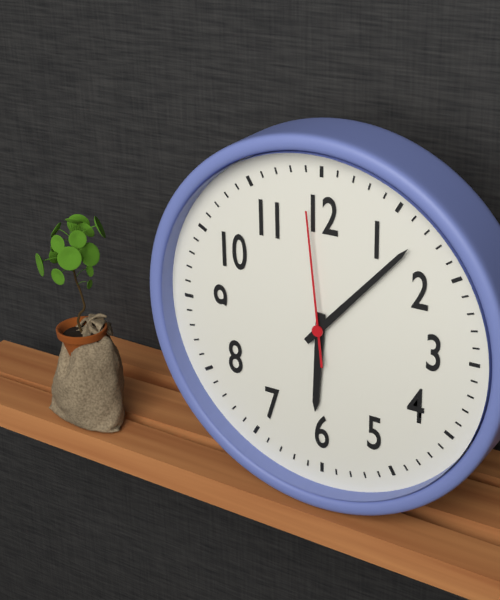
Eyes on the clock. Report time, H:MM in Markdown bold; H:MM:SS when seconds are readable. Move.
**6:07:59**
